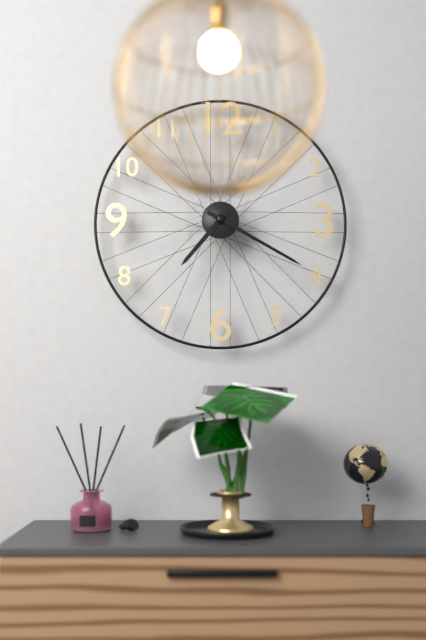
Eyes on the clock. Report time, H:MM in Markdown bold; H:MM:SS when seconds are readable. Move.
**7:20**
